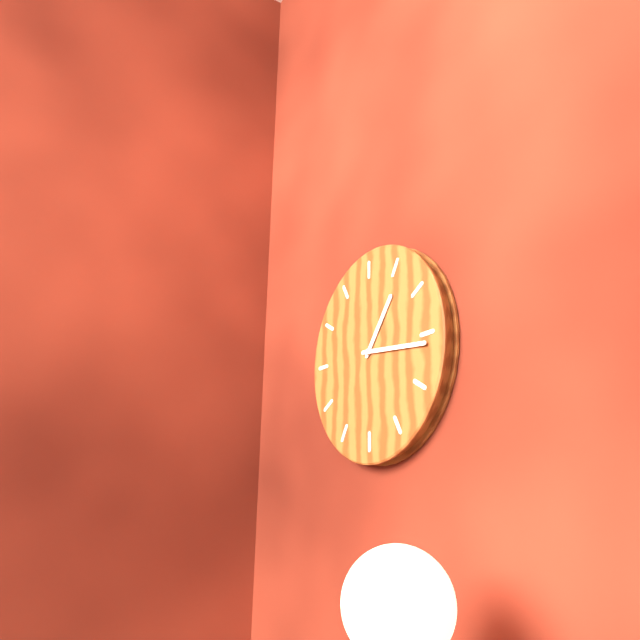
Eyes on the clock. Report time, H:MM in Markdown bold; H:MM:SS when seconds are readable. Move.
**1:16**
